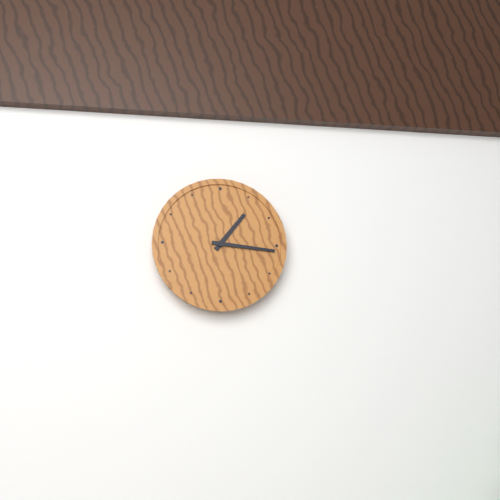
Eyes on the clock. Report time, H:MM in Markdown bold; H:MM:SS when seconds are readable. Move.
**1:16**
